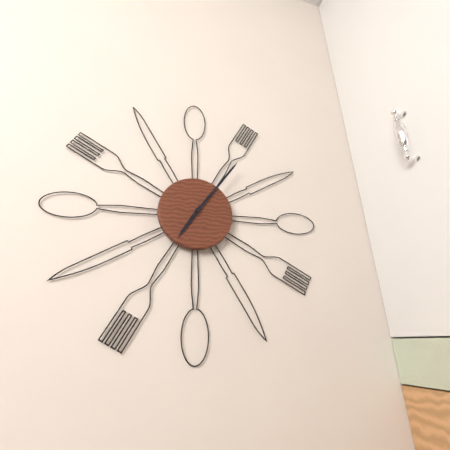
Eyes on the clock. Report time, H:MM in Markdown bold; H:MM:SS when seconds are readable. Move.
**7:06**
